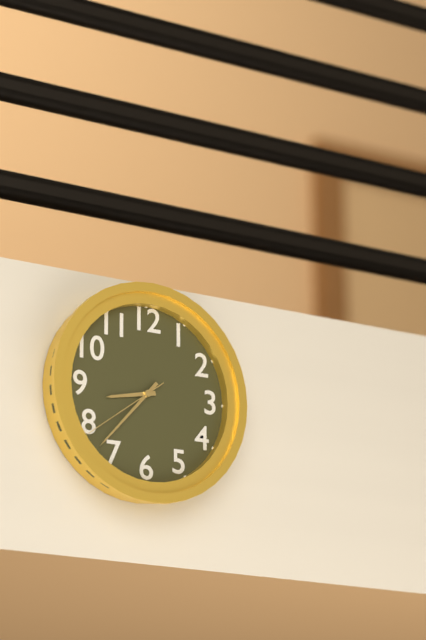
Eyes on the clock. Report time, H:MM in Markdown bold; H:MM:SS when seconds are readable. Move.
**8:37:39**
